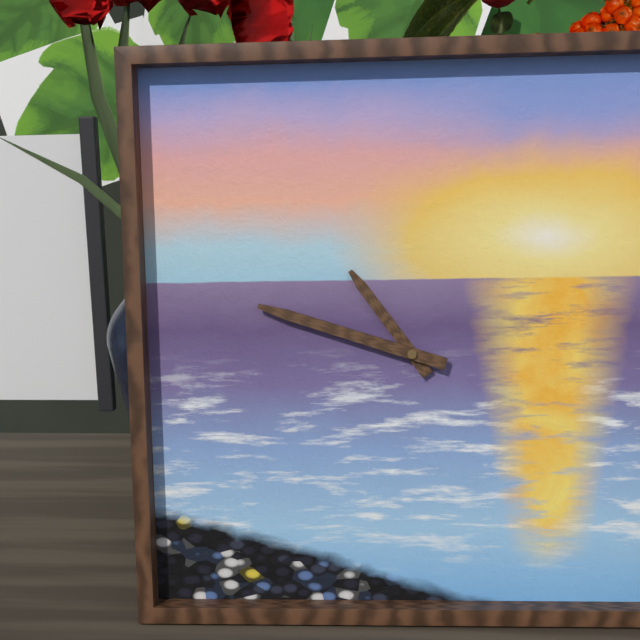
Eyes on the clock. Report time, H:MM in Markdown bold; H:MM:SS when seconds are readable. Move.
**10:48**
